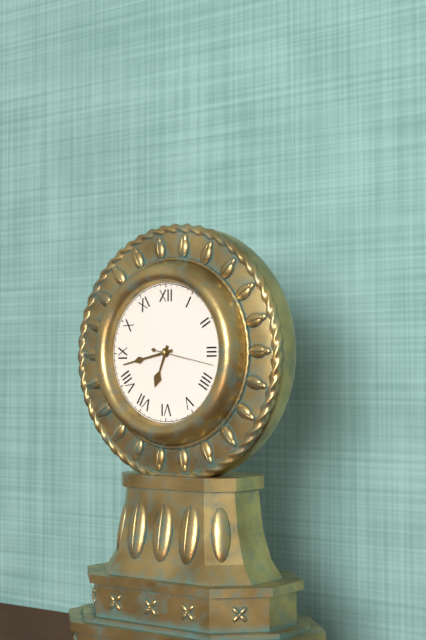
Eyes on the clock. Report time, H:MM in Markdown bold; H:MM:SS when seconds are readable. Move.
**6:43:17**
